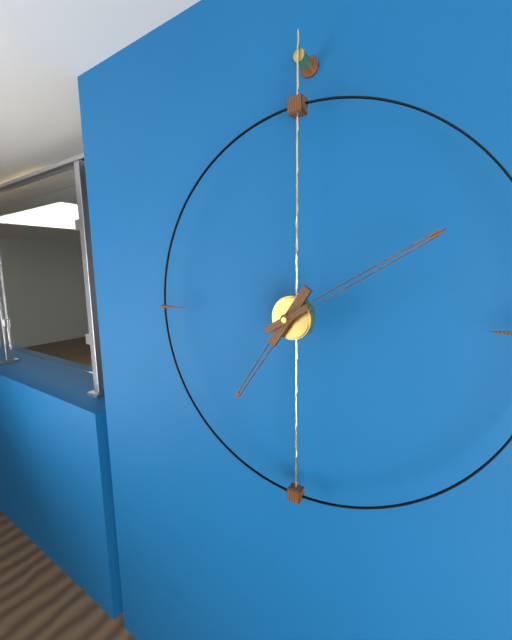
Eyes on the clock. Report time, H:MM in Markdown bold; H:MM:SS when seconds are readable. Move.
**7:10**
